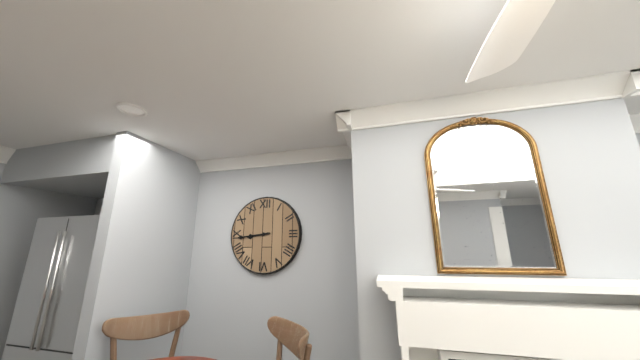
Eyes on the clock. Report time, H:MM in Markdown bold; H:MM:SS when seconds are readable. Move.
**8:44**
